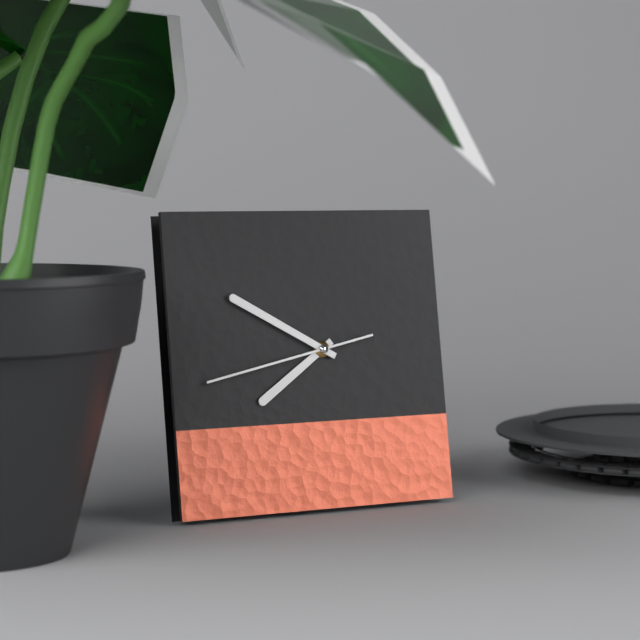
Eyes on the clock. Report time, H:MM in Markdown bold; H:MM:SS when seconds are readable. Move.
**7:50:43**
